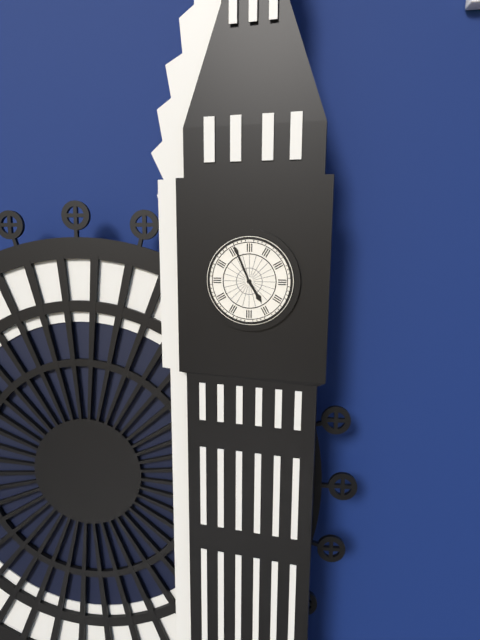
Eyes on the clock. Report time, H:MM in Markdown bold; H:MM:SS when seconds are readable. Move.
**4:56**
